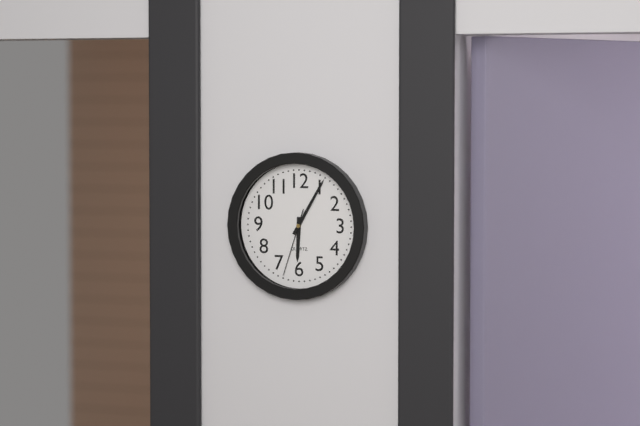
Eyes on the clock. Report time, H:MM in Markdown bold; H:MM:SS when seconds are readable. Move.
**6:05:33**
